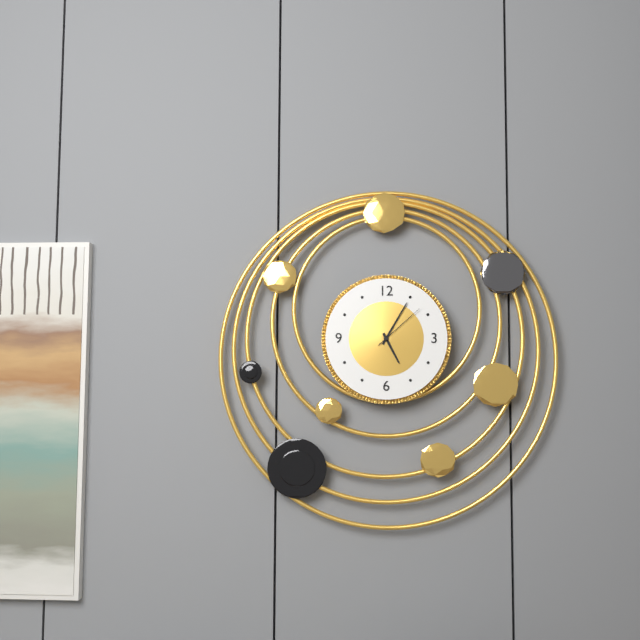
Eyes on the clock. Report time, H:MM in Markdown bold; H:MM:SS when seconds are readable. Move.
**5:05:08**
